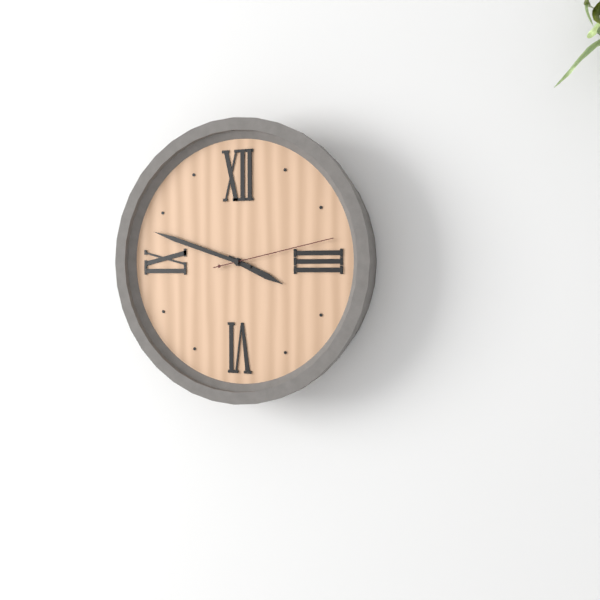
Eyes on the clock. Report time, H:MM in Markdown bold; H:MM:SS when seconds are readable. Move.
**3:48:13**
